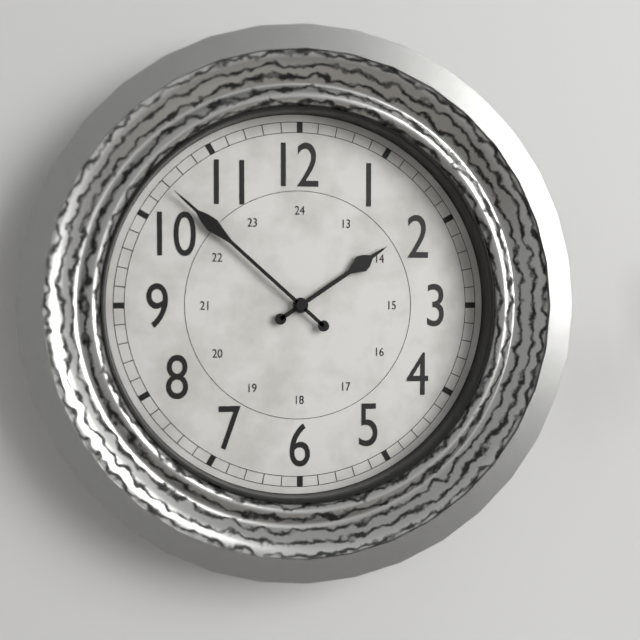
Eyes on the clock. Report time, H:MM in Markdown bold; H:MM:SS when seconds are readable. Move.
**1:52**
